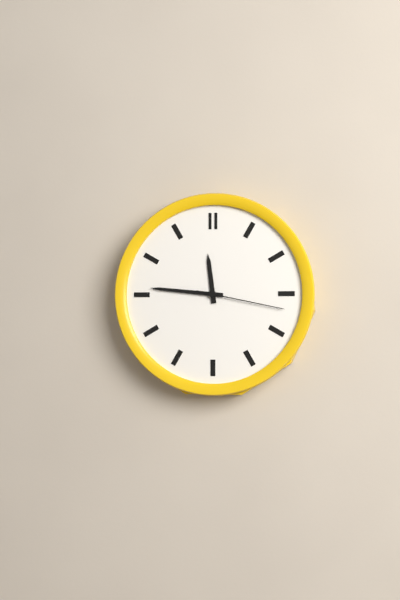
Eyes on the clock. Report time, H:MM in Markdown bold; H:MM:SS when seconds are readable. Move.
**11:46:17**
